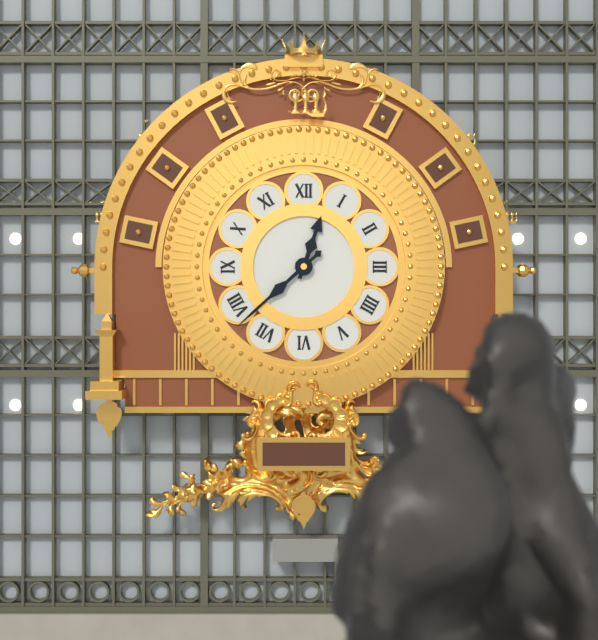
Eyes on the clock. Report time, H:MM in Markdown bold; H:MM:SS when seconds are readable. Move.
**12:38**
